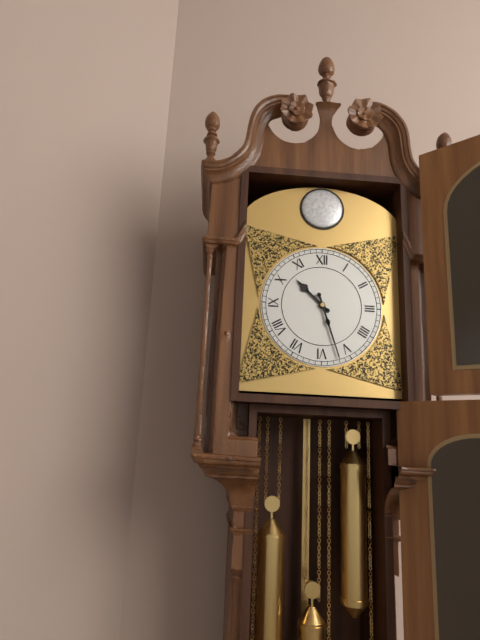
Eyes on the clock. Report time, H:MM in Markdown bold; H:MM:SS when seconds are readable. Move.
**10:27**
